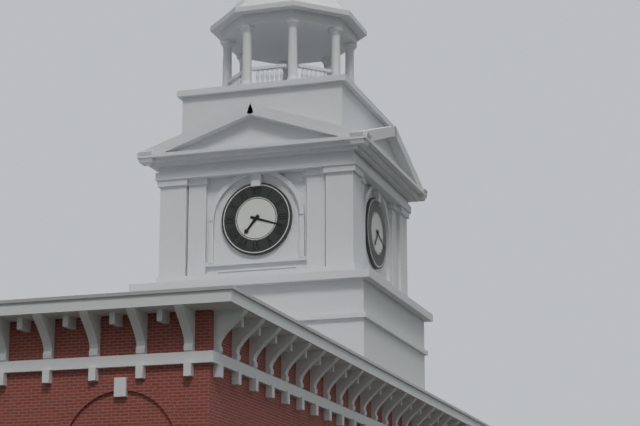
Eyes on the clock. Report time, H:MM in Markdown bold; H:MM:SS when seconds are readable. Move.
**7:18**
